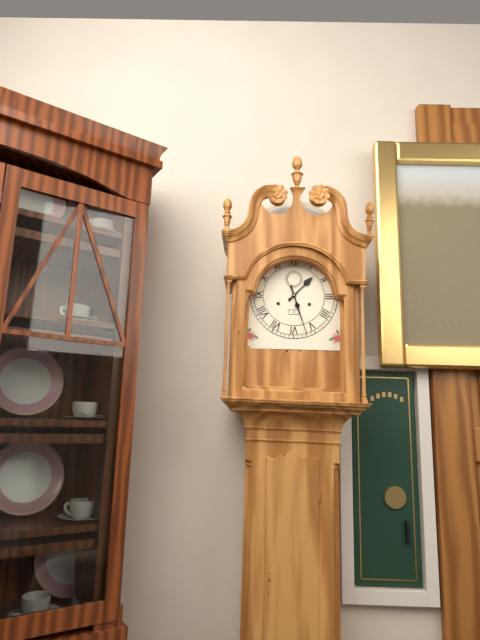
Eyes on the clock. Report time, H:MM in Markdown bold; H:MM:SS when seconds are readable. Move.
**1:27**
